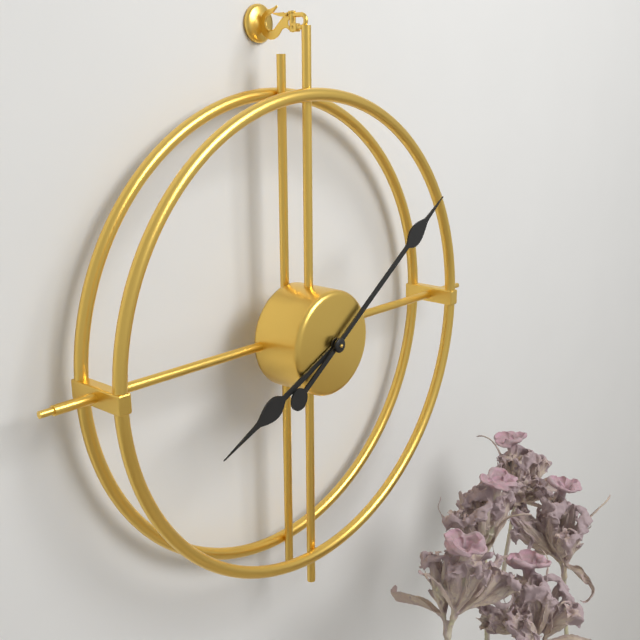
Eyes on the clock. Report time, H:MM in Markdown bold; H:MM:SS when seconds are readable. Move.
**8:09**
